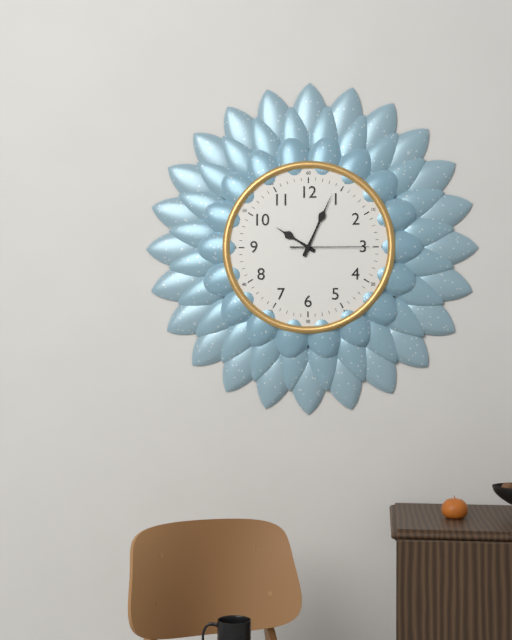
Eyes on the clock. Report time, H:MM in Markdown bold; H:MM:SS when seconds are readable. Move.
**10:04:15**
